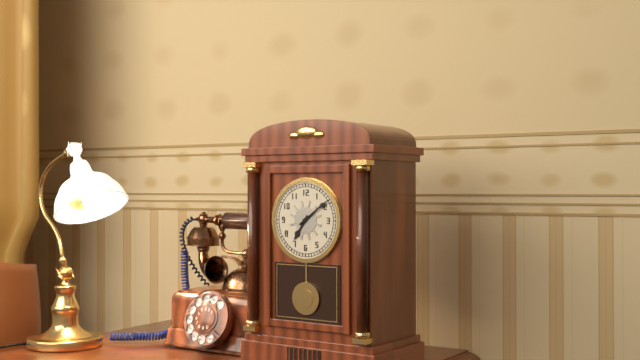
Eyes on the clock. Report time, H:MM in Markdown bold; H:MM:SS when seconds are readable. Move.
**7:09**
